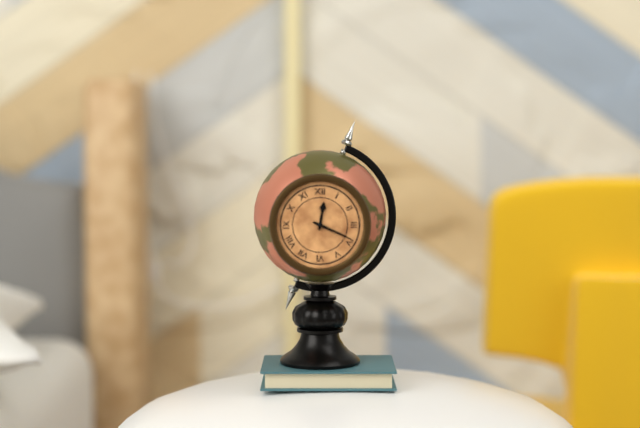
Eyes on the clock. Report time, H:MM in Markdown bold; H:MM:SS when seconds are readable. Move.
**12:19**
